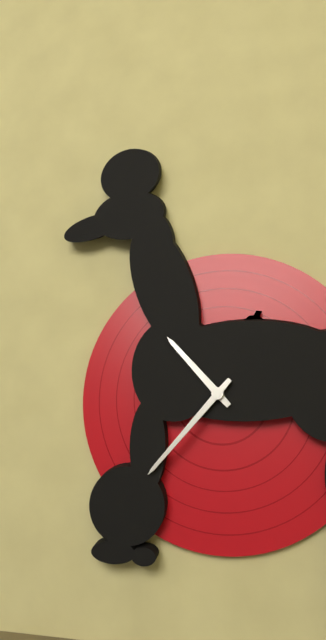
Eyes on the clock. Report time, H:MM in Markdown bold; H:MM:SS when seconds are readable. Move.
**10:37**
